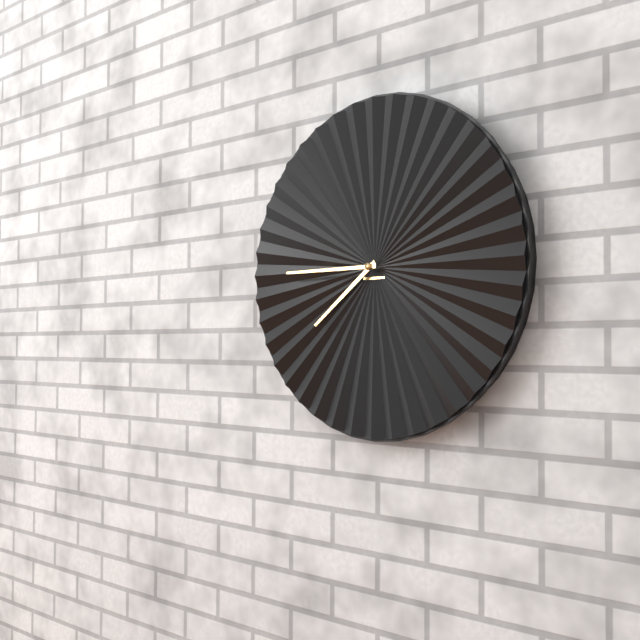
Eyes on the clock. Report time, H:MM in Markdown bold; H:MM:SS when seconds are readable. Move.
**7:45**
